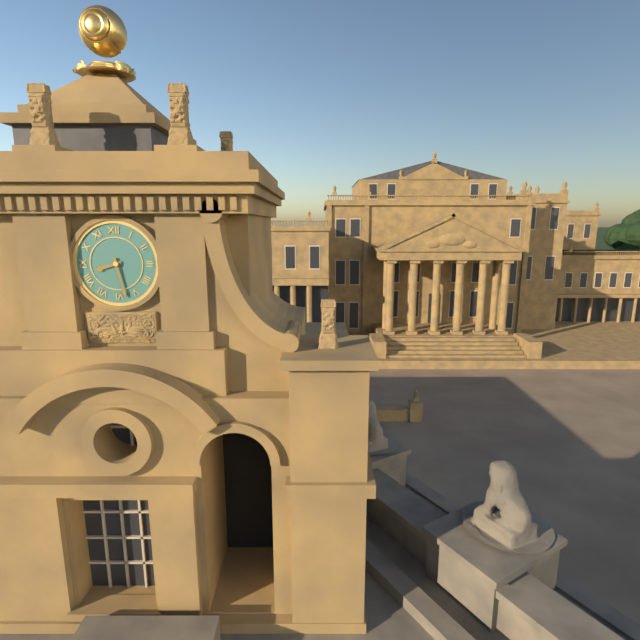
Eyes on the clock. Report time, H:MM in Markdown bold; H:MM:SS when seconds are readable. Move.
**8:28**
